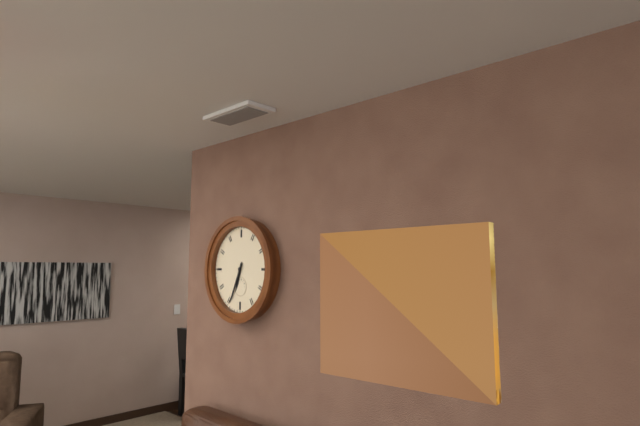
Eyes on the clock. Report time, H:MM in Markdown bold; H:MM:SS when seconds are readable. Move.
**6:34**
